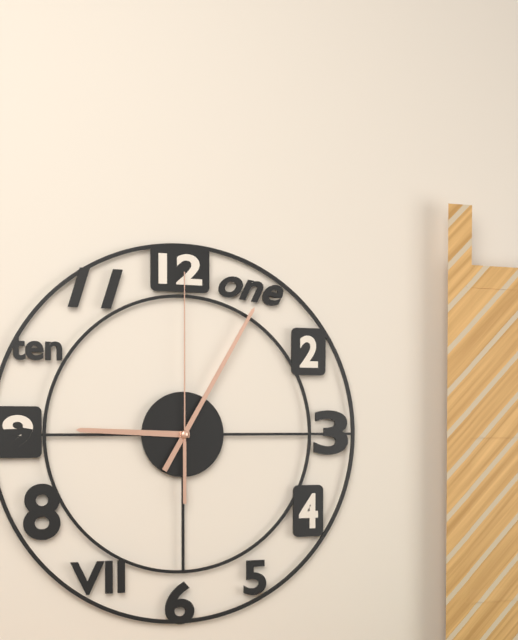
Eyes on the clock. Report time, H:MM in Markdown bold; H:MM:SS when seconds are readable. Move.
**9:05:00**
